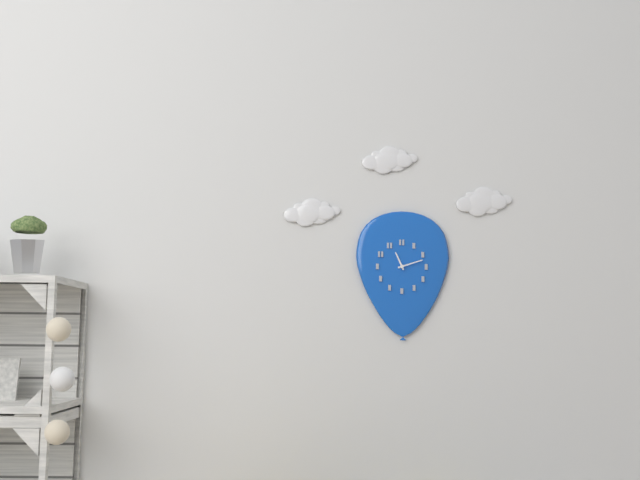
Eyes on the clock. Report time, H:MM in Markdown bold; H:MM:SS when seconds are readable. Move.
**11:12**
